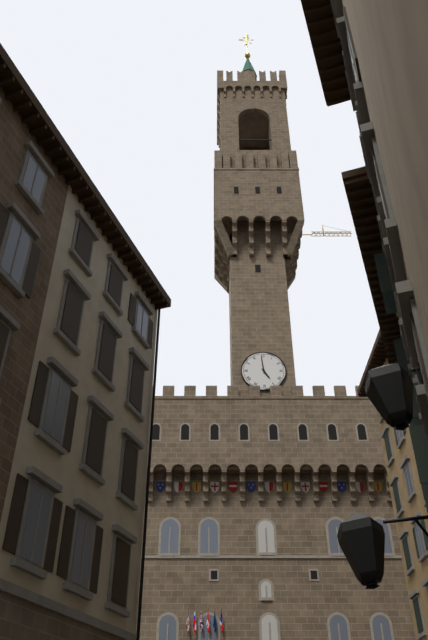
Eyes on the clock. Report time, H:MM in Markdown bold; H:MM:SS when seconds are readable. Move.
**4:59**
